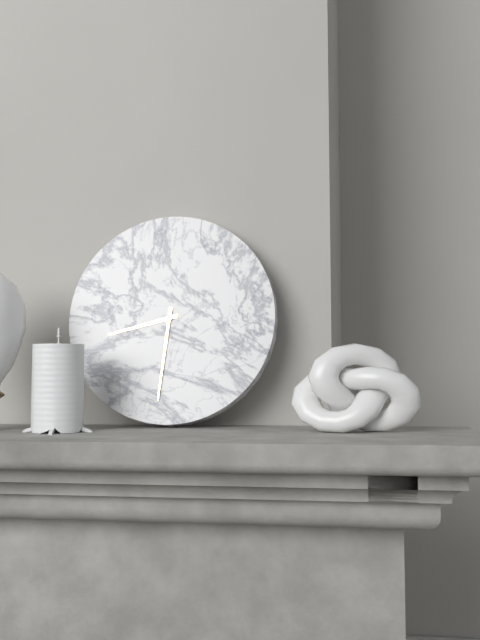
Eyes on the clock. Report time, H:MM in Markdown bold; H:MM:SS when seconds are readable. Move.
**8:31**
